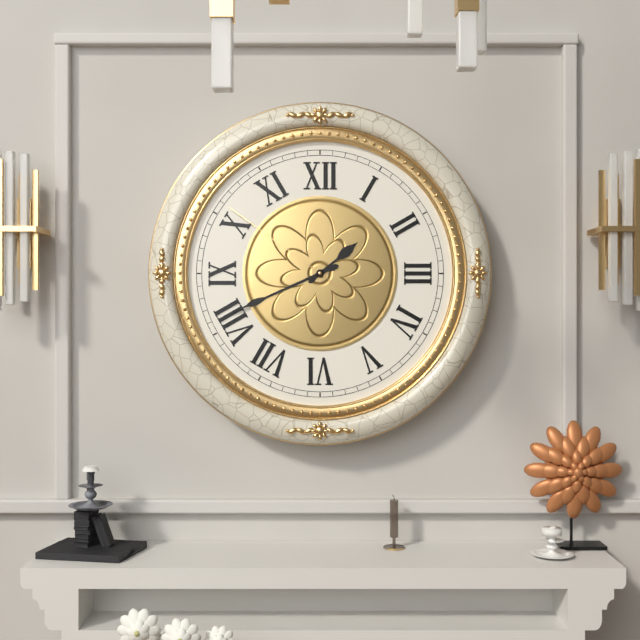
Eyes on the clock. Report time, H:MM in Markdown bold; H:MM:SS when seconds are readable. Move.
**1:41:51**
